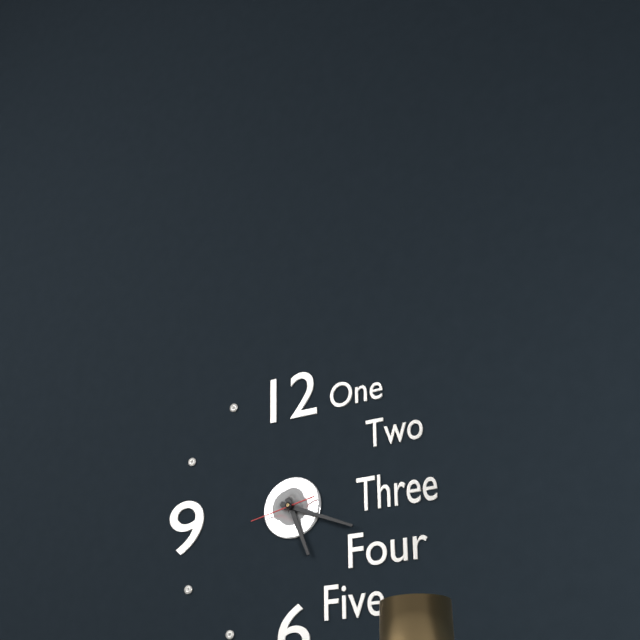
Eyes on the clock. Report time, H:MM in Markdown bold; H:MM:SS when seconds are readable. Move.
**5:19:43**
